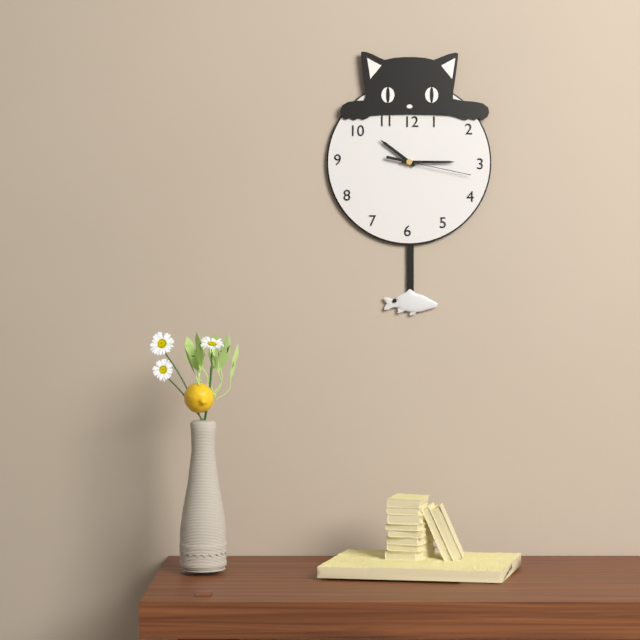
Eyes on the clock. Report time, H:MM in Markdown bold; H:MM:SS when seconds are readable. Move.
**10:15:17**
